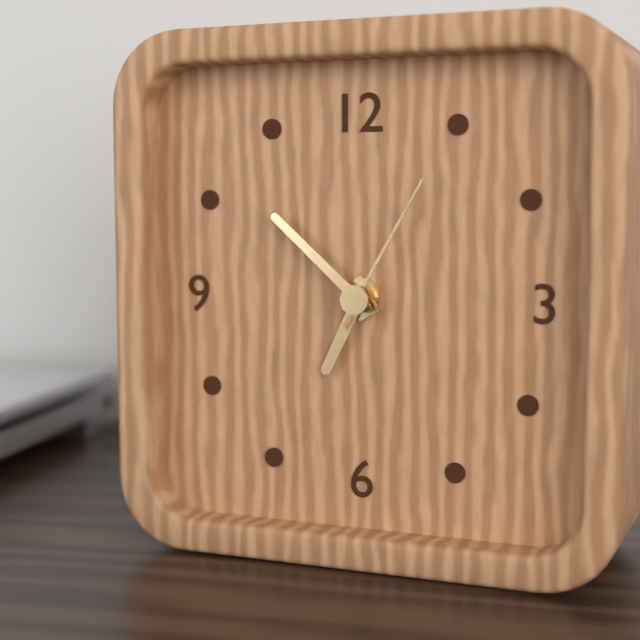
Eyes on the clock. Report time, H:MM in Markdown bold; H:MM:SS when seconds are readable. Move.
**6:52:05**
